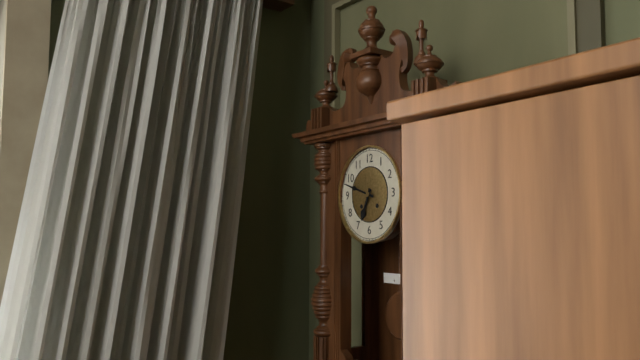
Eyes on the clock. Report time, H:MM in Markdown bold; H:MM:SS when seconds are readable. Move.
**6:48**
